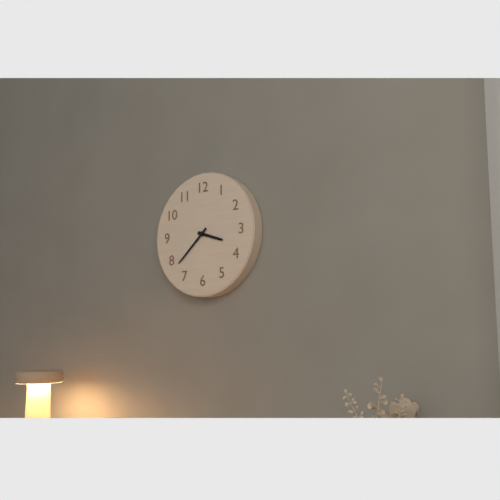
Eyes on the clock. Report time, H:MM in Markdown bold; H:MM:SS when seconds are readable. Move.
**3:38**
